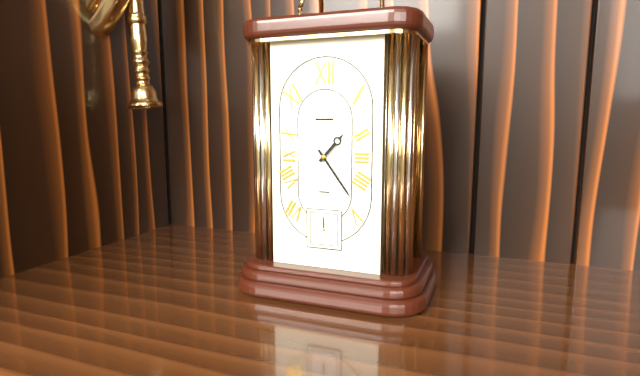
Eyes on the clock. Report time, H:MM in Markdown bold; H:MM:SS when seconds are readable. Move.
**1:24**
